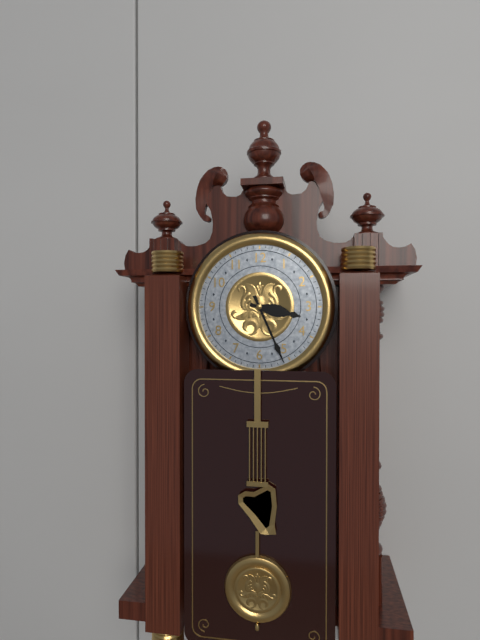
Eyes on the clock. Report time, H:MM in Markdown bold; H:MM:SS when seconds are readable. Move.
**3:26**
